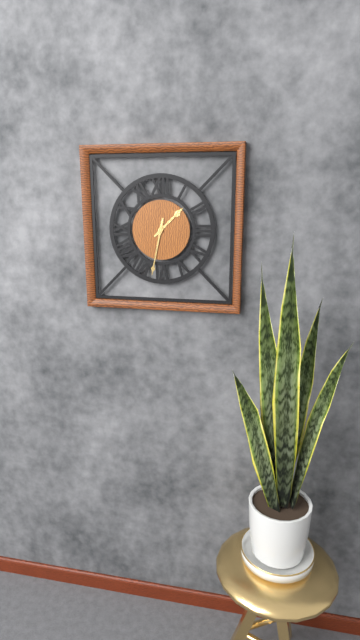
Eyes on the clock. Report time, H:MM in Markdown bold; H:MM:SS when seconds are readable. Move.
**1:32**
